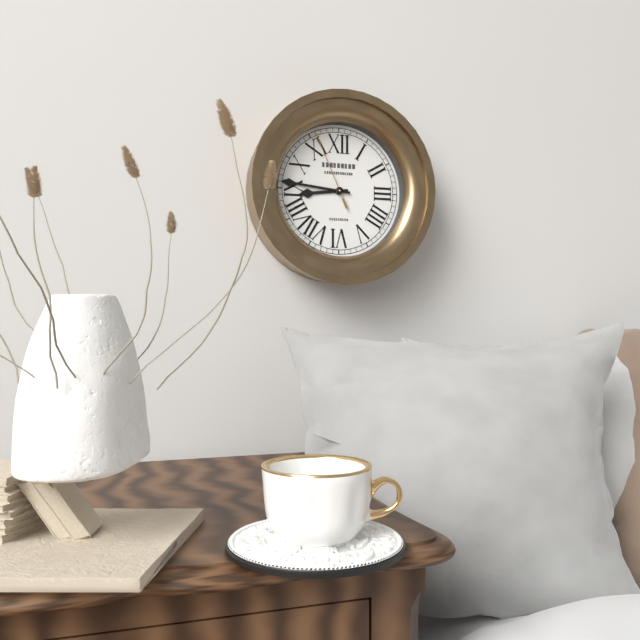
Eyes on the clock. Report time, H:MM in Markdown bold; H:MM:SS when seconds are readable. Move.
**8:46:56**
